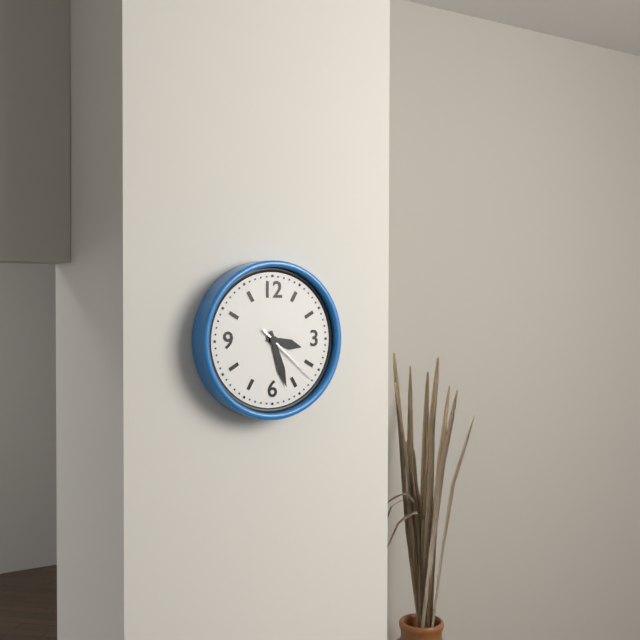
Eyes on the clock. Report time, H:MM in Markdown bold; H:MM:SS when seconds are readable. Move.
**3:27:22**
